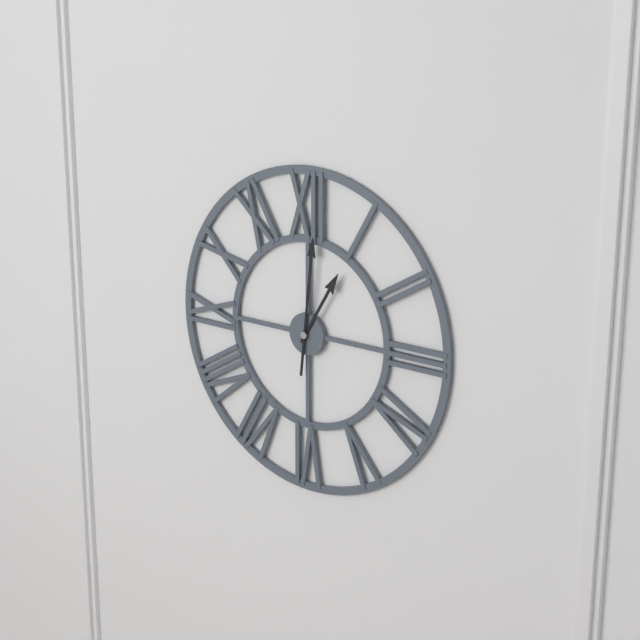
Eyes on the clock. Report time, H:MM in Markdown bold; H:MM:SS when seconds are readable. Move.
**1:01**
